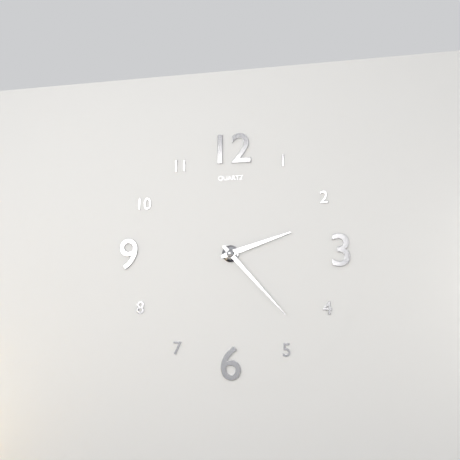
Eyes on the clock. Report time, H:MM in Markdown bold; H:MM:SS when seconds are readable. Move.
**2:23**
